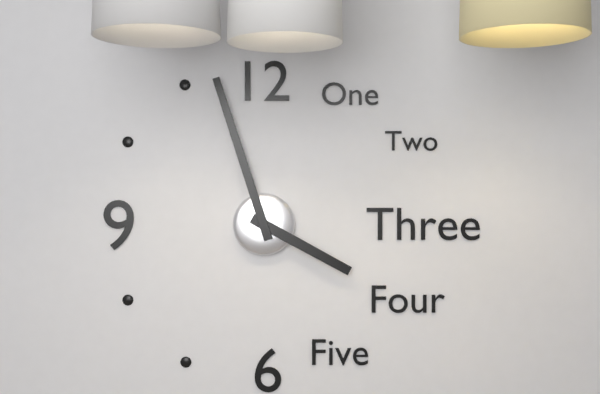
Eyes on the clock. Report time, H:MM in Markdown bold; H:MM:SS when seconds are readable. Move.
**3:57**
